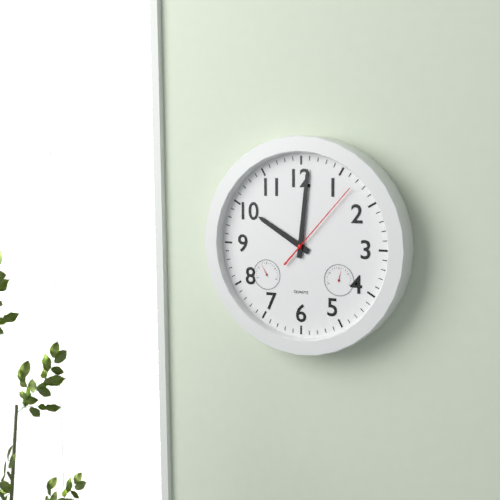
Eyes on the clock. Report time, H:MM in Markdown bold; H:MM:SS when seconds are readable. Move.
**10:01:07**
